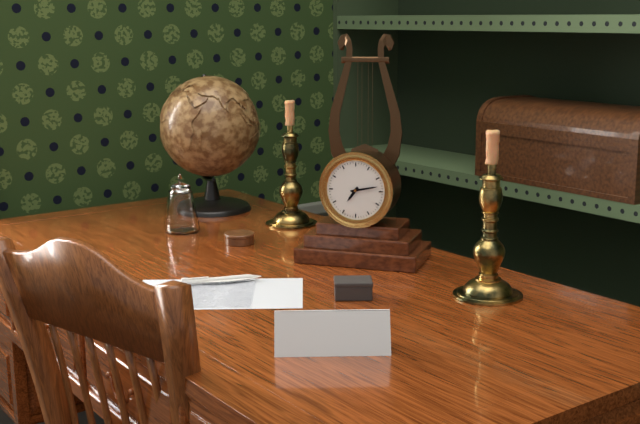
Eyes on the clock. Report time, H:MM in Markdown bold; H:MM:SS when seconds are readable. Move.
**7:13**
